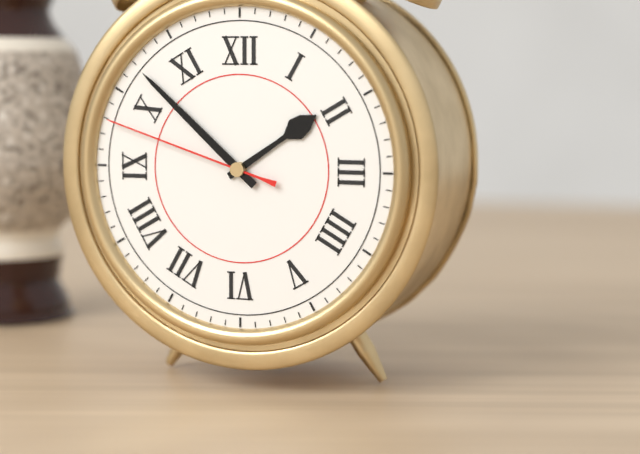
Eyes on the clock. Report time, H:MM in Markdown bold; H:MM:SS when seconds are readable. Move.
**1:52:48**
